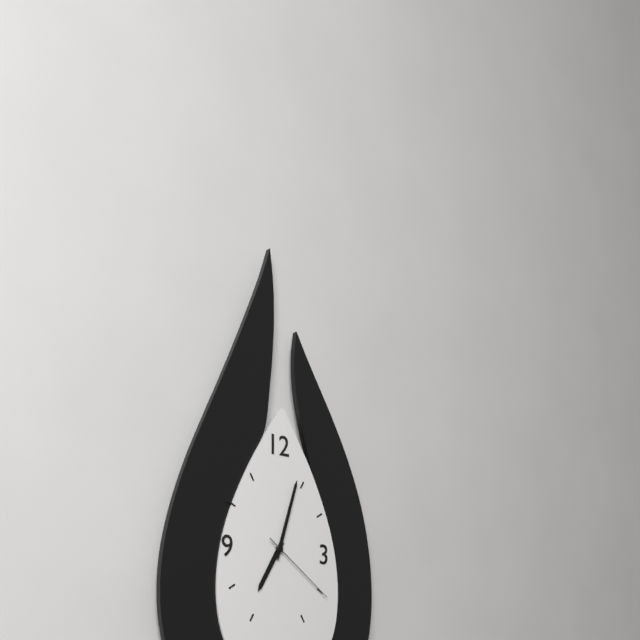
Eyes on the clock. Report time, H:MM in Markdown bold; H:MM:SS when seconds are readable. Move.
**7:03:21**
